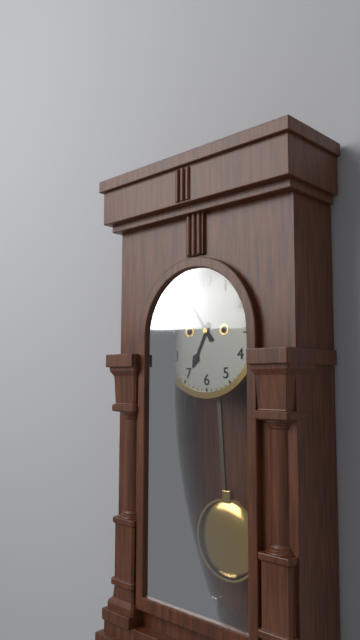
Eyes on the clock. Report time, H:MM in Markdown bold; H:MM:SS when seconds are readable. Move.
**6:54**
